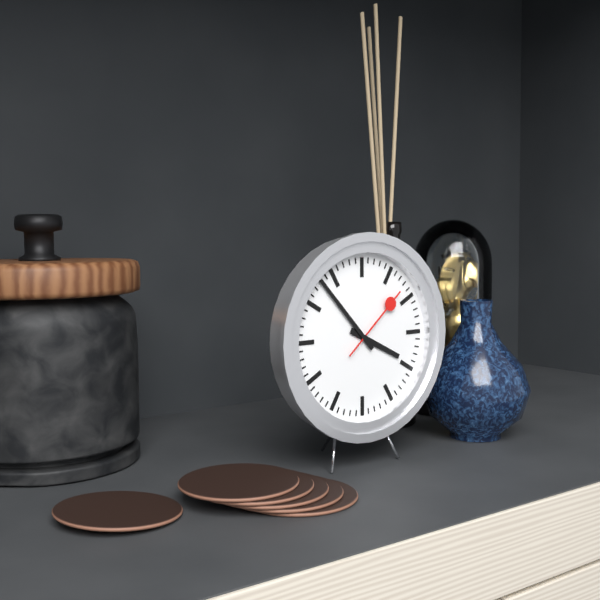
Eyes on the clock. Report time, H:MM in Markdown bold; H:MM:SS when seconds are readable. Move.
**3:53:08**
